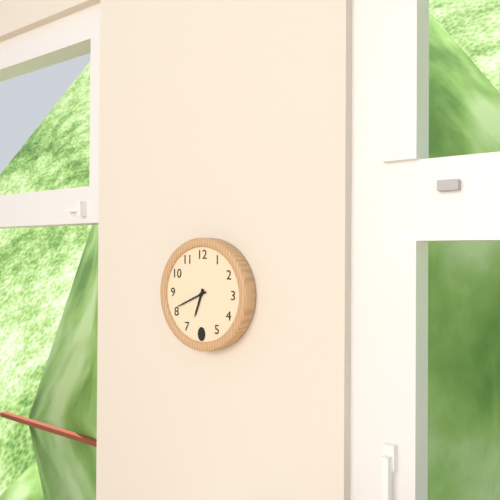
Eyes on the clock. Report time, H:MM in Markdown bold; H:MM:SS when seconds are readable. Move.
**6:41**
